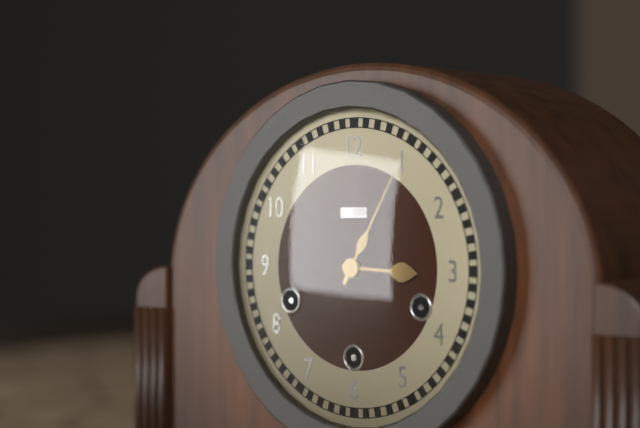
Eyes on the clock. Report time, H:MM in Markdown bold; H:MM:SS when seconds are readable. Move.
**3:05**
